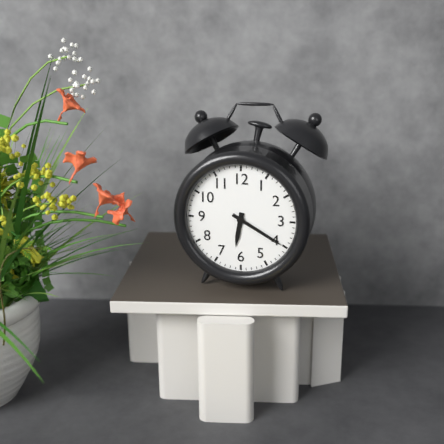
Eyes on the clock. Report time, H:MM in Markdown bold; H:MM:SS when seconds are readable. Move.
**6:20**
